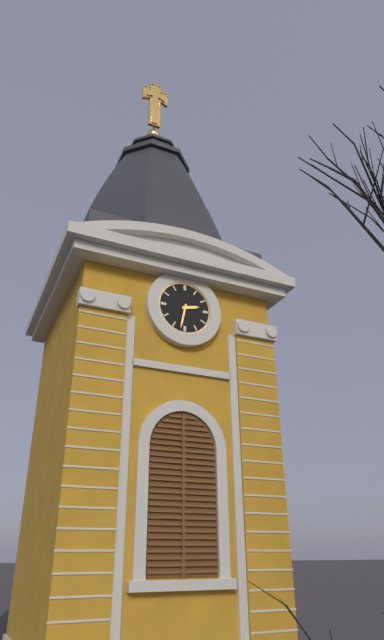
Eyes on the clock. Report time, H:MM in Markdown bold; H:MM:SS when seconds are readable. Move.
**2:32**
